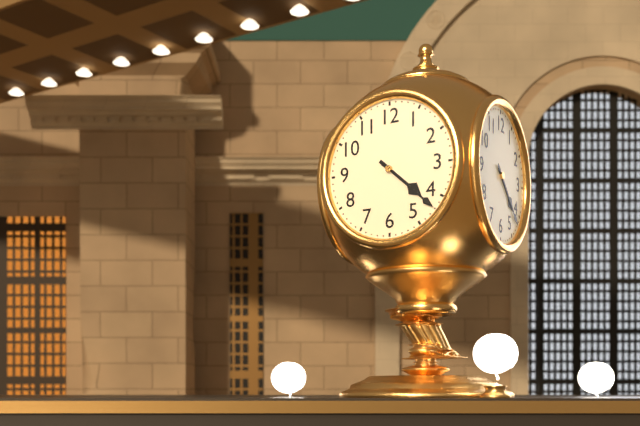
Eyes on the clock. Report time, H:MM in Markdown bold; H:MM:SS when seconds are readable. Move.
**4:22**
